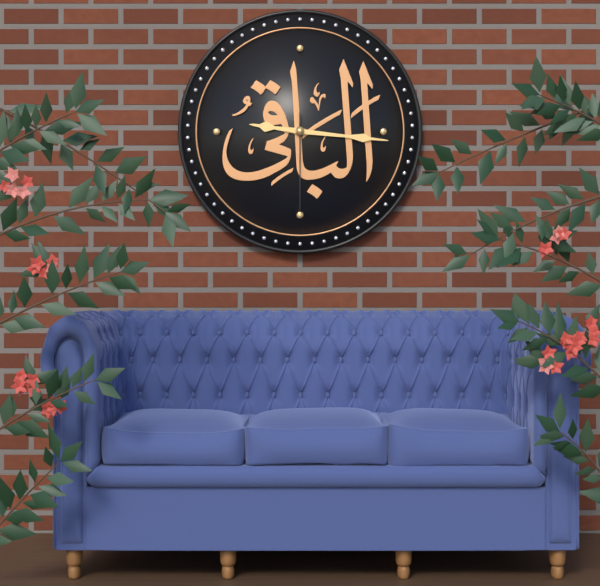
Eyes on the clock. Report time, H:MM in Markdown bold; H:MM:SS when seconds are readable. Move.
**9:16:30**
